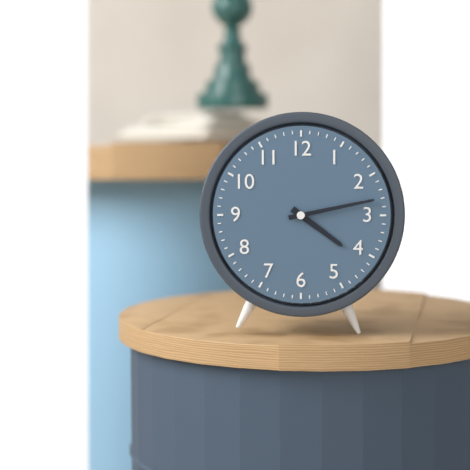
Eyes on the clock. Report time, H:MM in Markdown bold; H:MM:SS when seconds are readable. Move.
**4:13**
